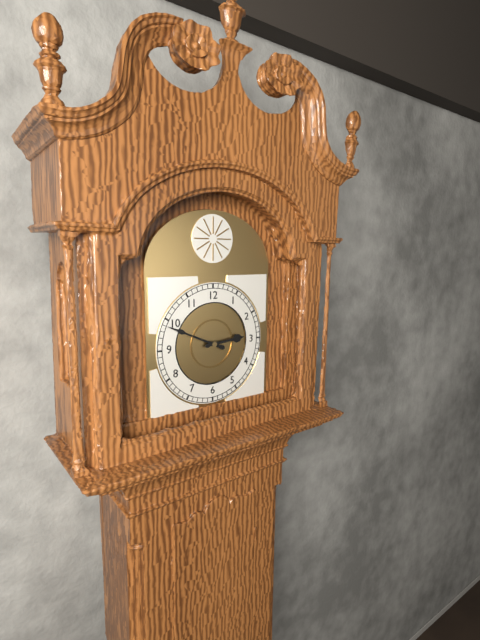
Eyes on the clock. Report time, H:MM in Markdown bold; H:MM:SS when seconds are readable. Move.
**2:49**
